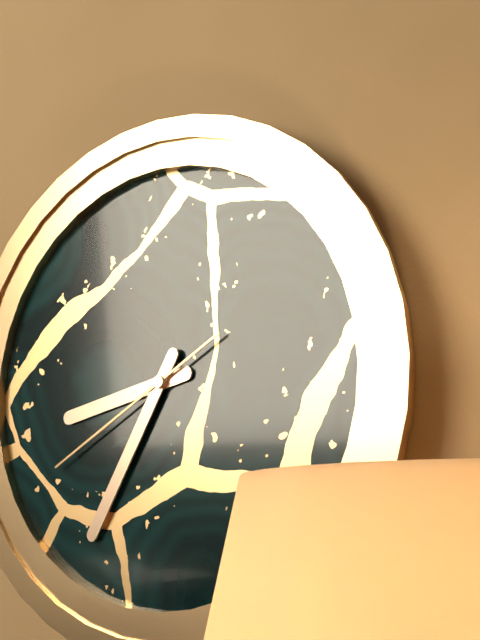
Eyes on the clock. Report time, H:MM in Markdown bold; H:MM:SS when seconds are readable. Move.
**8:35:40**
